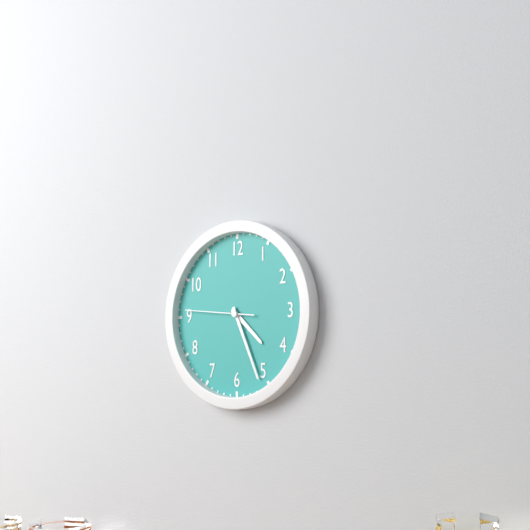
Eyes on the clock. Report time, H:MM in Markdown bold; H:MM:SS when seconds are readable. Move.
**4:26:46**
